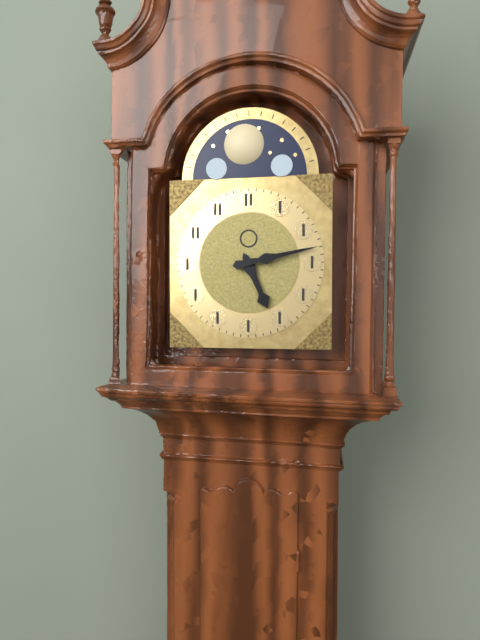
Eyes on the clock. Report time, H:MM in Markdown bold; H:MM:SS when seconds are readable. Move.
**5:13**
